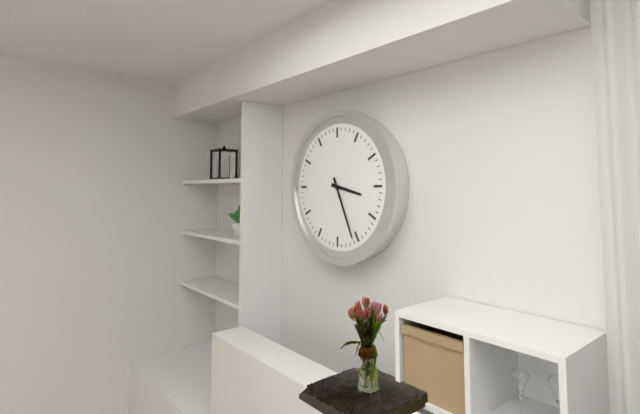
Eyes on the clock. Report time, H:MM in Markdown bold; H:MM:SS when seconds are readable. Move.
**3:26**
